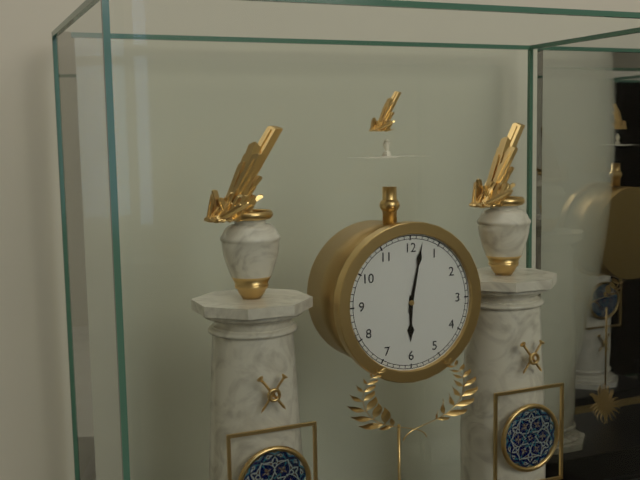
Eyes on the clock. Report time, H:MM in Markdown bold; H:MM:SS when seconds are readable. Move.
**6:02**
